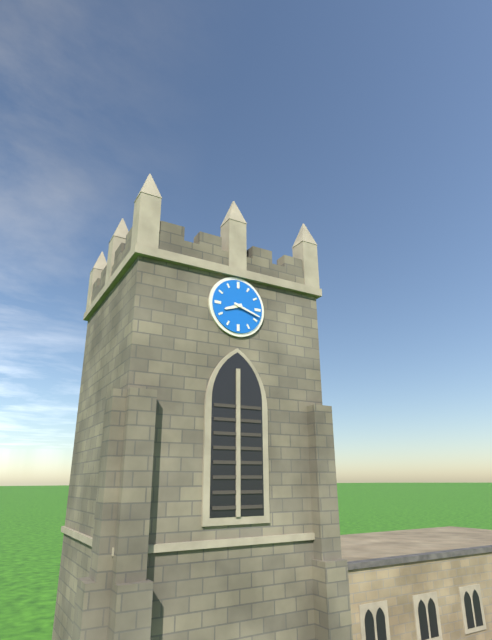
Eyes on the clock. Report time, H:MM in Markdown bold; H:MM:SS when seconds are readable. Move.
**8:18**
